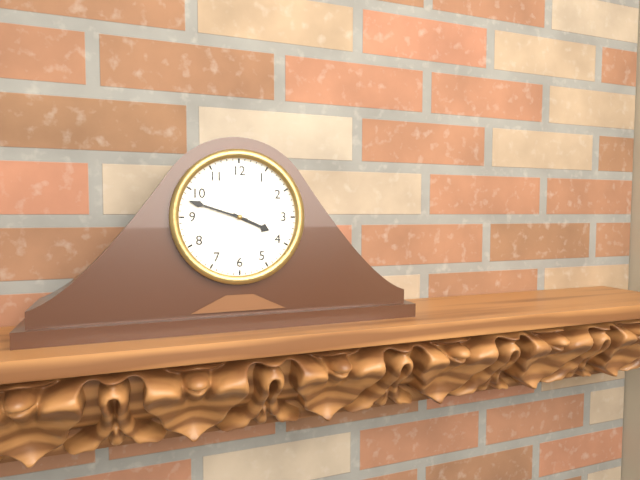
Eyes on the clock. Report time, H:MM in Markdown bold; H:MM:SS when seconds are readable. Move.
**3:48**
